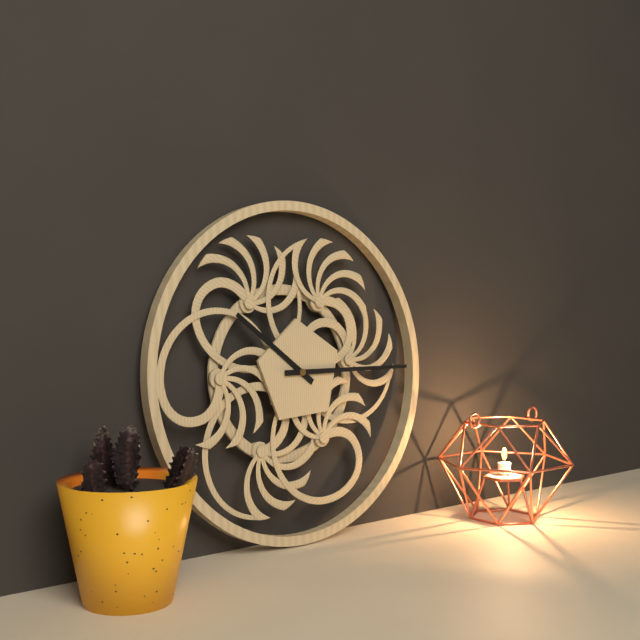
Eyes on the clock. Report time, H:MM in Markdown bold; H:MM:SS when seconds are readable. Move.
**10:15**
